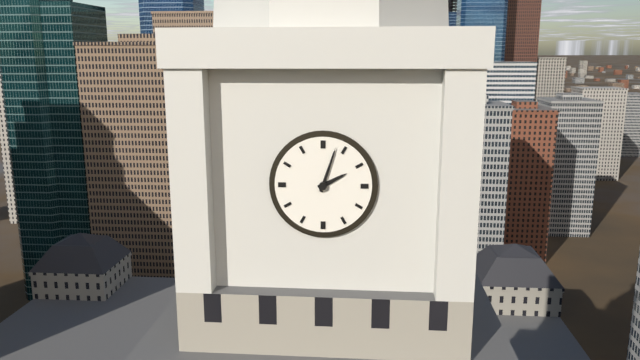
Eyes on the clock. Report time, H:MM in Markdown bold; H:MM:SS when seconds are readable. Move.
**2:03**
